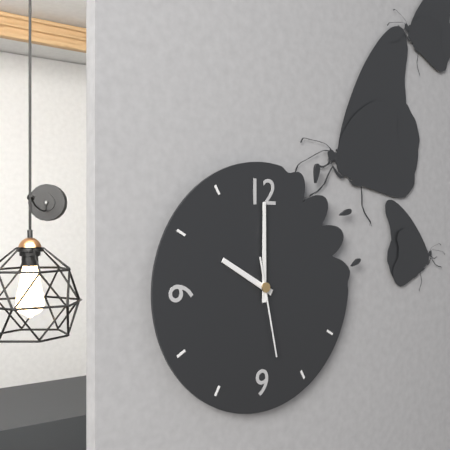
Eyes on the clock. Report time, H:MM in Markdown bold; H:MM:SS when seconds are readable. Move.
**10:00:28**
